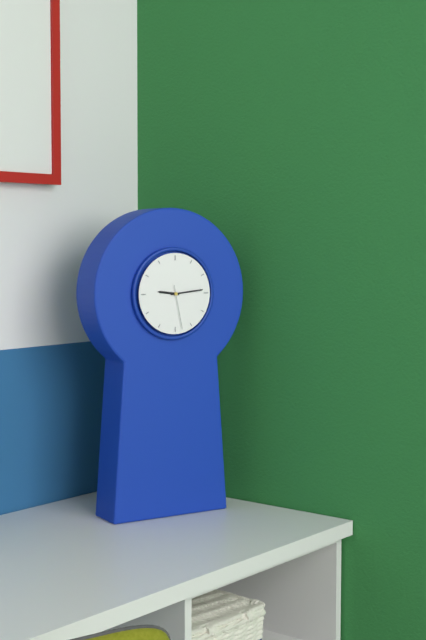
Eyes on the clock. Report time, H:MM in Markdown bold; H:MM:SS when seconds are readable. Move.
**9:14**
